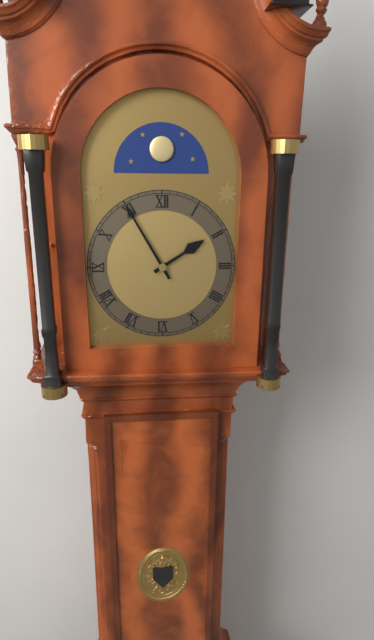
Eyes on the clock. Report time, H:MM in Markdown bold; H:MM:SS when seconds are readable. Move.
**1:55**
